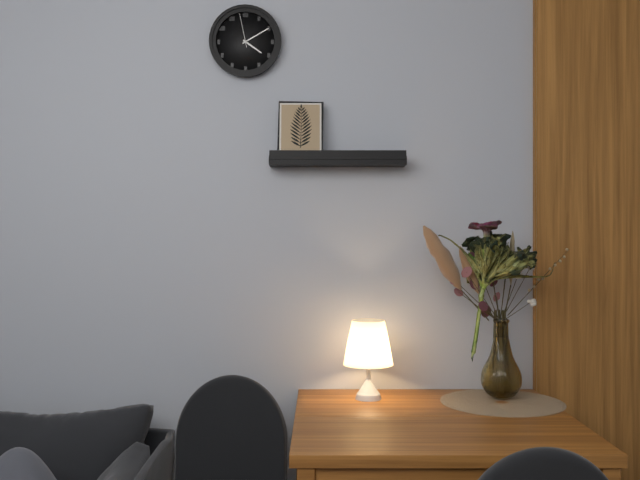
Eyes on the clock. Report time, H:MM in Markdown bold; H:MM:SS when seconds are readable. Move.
**4:10**
